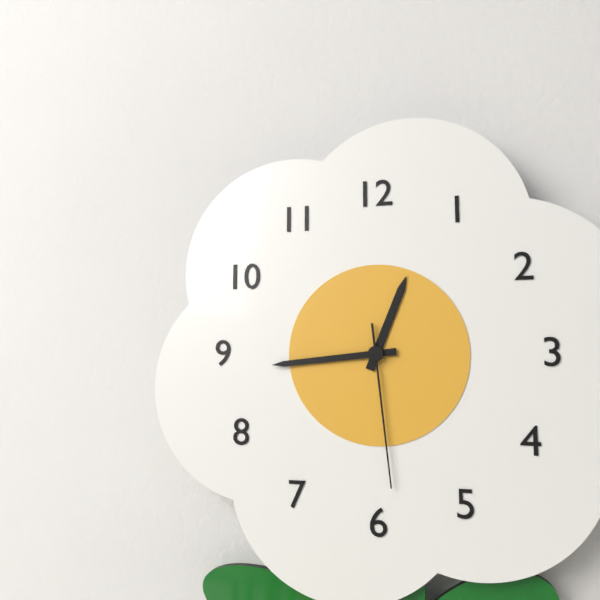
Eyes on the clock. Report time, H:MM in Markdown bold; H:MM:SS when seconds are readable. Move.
**12:44:29**
